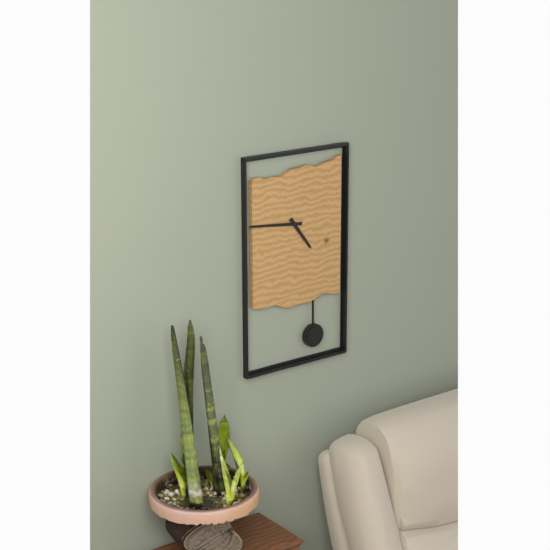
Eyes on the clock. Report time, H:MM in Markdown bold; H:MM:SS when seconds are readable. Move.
**4:46**
